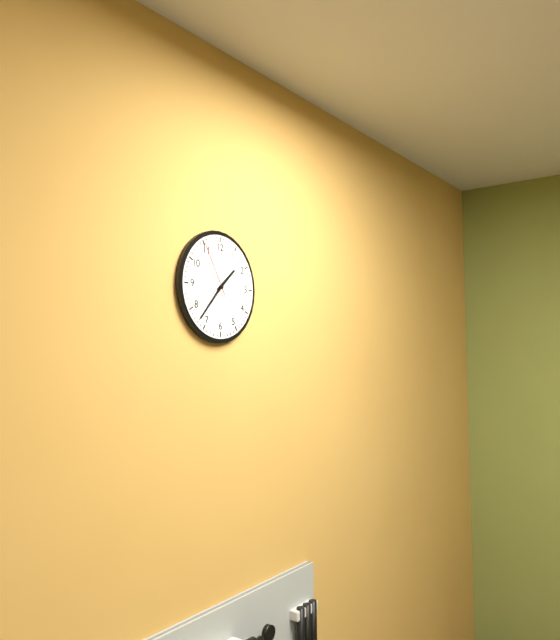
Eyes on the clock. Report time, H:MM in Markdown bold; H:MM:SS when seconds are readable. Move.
**1:37:55**
